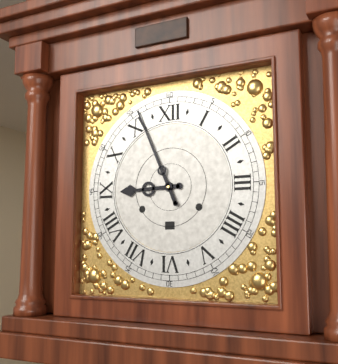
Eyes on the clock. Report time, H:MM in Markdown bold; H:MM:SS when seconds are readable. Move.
**8:56**
